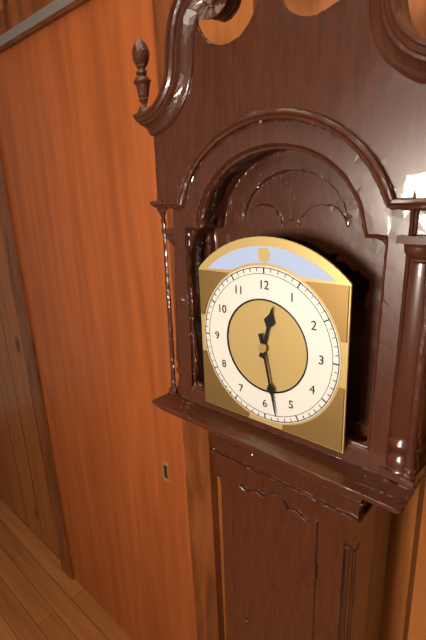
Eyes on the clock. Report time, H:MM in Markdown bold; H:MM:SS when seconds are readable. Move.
**12:28**
